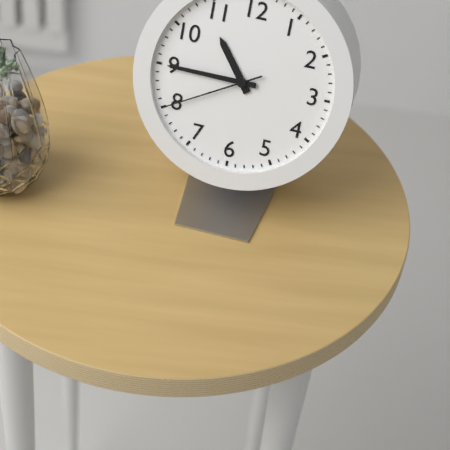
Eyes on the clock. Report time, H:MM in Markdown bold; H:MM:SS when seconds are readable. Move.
**10:45:40**
